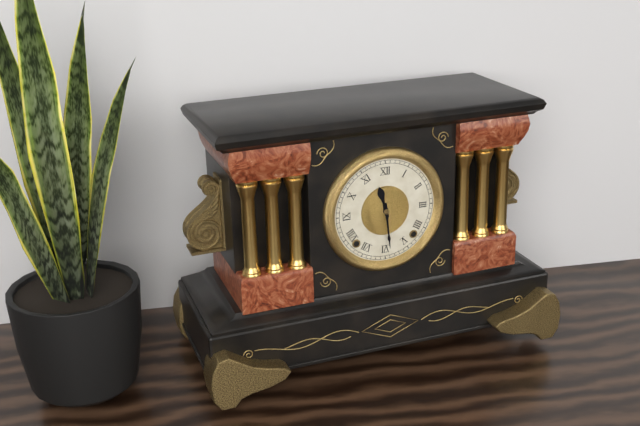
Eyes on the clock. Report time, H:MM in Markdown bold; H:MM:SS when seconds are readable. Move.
**11:29**
